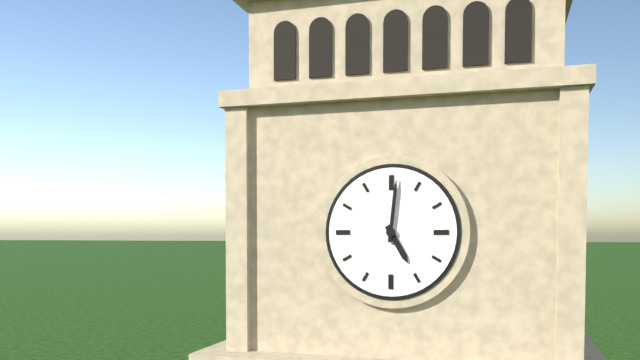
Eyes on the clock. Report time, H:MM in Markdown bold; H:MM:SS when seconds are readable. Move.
**5:01**
